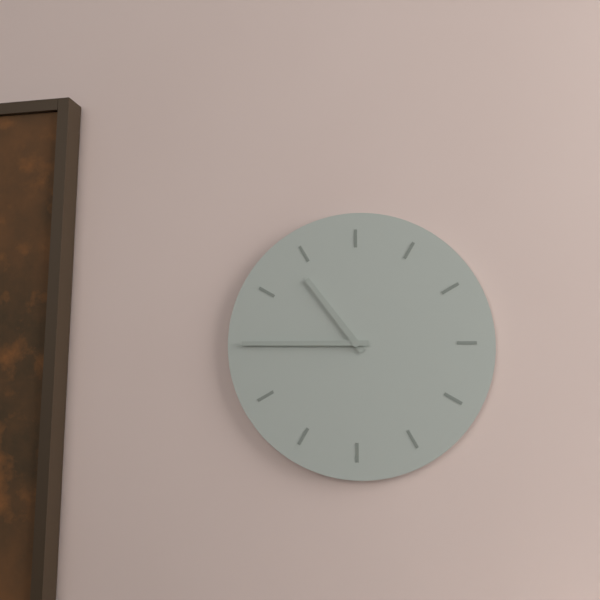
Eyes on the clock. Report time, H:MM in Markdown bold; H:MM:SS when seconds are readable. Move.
**10:45**
